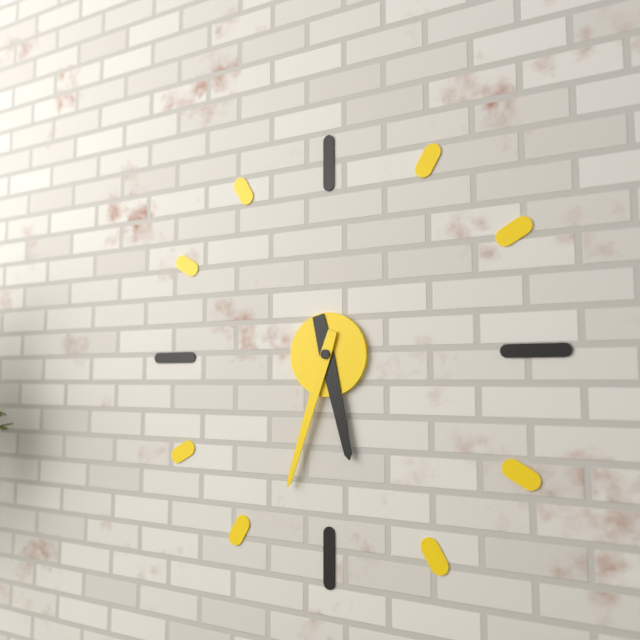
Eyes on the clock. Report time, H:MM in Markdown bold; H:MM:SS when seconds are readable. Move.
**5:33**
